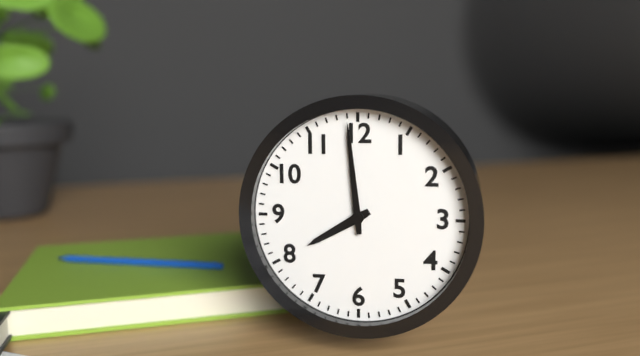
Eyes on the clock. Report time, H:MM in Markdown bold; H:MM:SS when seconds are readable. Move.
**7:59**
